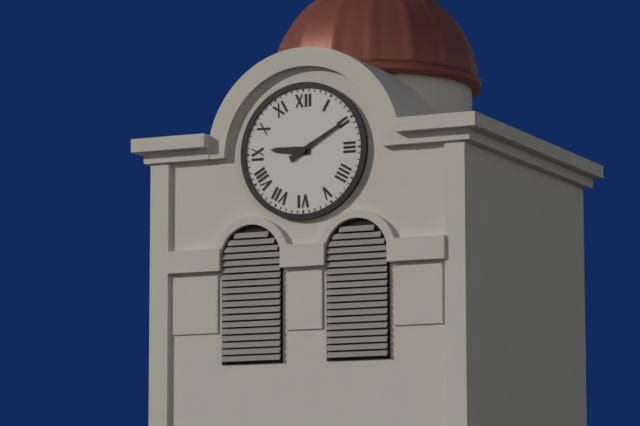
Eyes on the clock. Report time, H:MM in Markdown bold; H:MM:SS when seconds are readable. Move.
**9:10**
